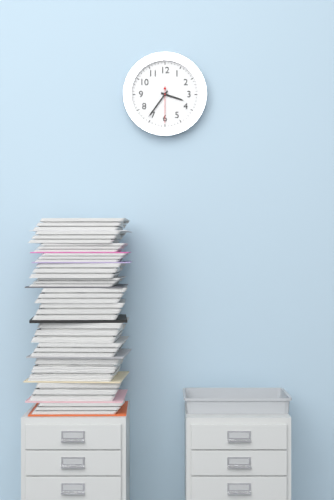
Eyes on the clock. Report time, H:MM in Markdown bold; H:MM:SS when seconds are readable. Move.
**3:36**
